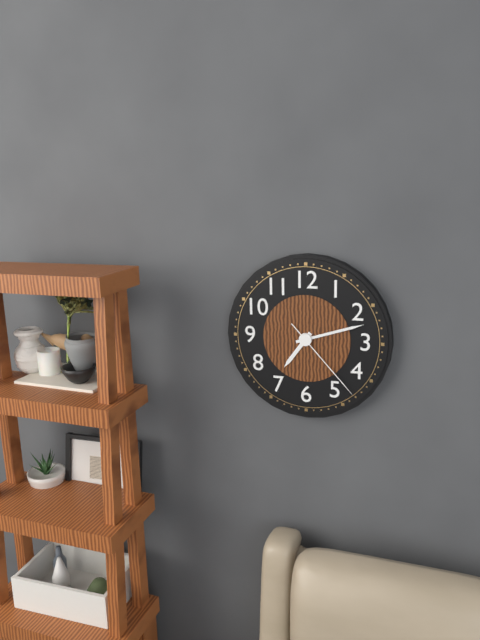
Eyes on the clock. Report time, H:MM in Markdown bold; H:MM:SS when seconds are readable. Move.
**7:12:23**
